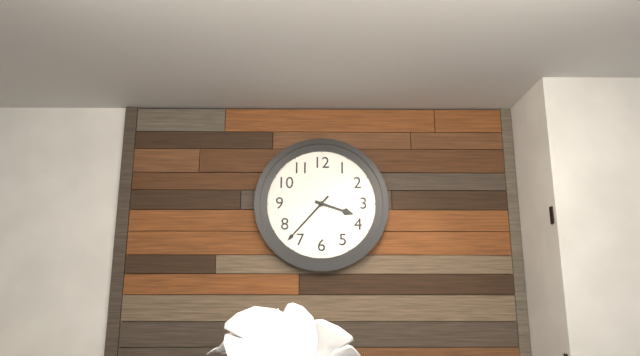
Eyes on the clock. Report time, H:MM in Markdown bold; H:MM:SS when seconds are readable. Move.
**3:37**
